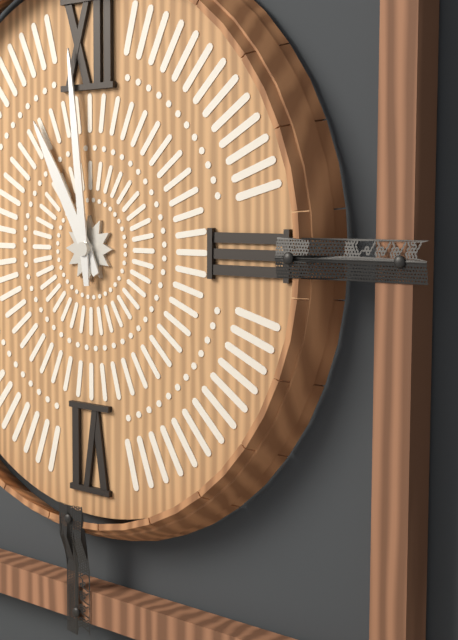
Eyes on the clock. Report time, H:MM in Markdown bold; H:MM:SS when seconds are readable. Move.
**10:59**
